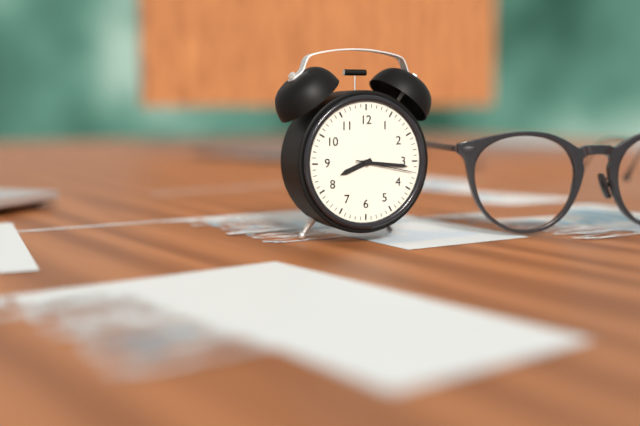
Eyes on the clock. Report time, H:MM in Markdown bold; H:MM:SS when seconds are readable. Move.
**8:16:17**
